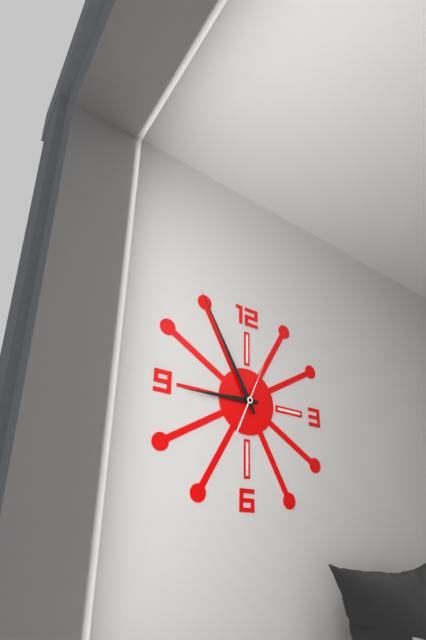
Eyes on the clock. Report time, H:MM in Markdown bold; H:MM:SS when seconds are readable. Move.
**8:55**
